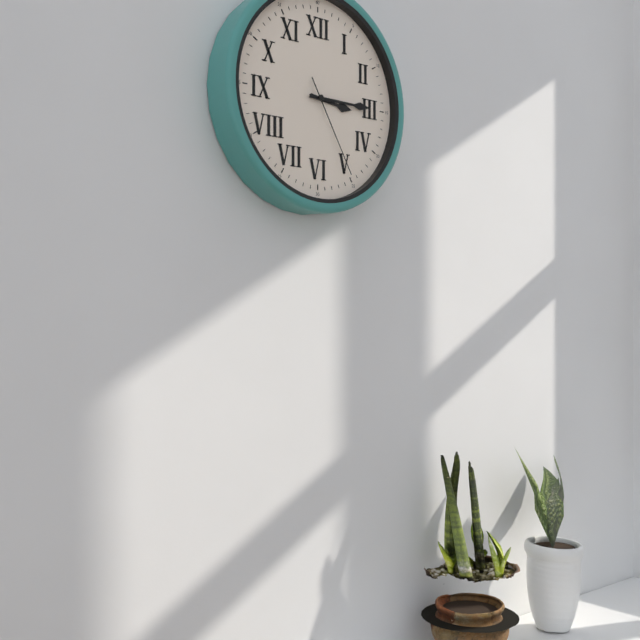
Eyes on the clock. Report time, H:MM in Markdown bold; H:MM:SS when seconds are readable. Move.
**3:15:25**
